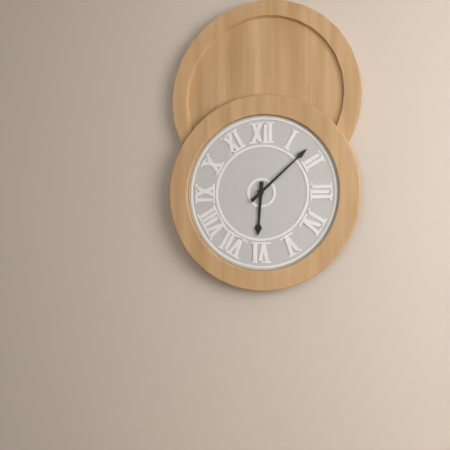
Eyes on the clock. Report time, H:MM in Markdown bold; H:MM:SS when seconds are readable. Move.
**6:08**
